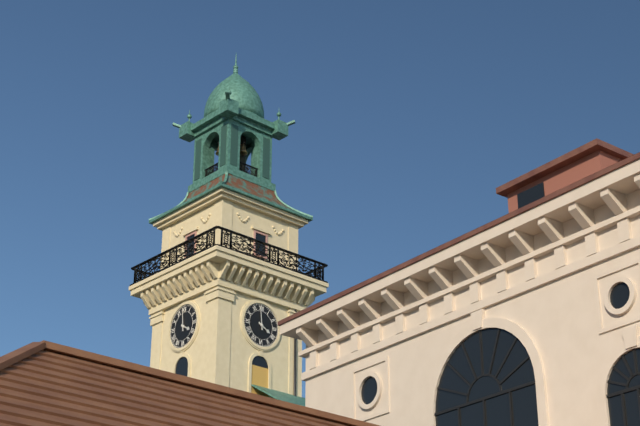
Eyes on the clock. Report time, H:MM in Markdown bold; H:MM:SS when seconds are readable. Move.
**3:59**
